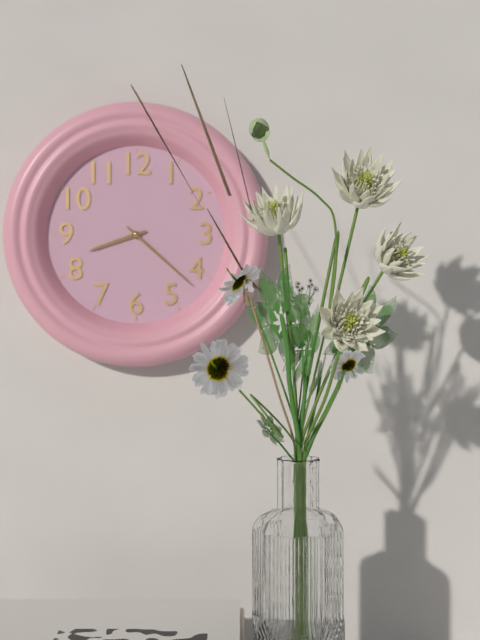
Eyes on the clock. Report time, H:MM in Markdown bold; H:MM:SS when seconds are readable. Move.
**8:22**
